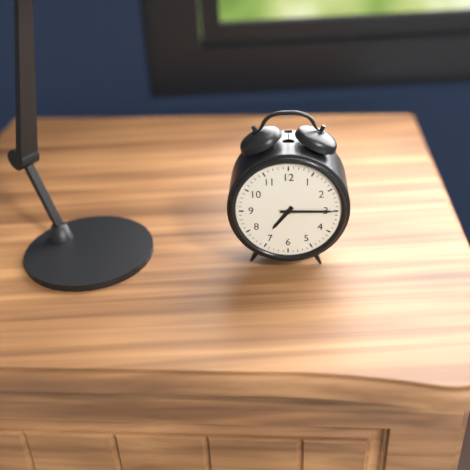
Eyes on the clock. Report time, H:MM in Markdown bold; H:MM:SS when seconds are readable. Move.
**7:15**
